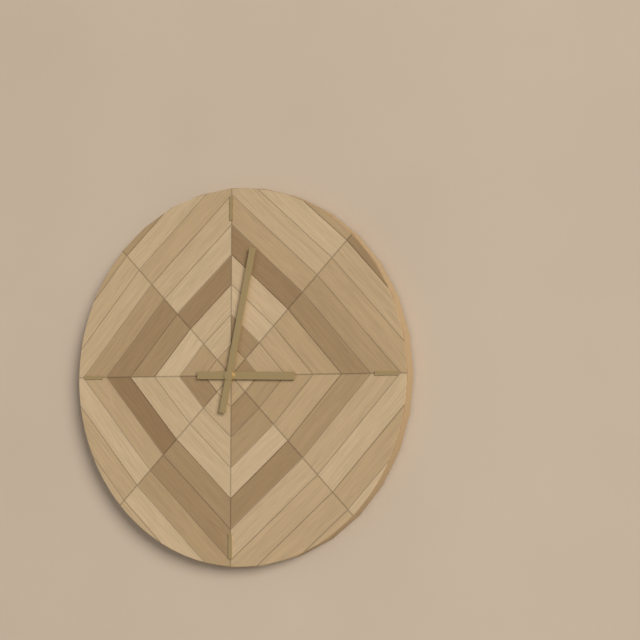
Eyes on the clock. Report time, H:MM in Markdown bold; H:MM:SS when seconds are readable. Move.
**3:02**
